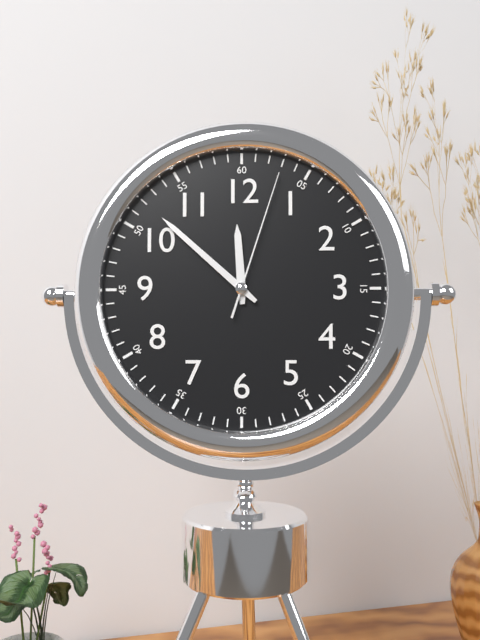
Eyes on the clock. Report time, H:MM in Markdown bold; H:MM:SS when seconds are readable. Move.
**11:52:03**
